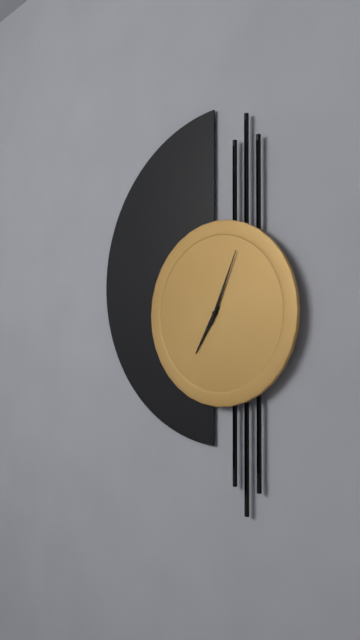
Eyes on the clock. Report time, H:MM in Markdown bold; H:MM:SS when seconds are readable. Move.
**7:04**
